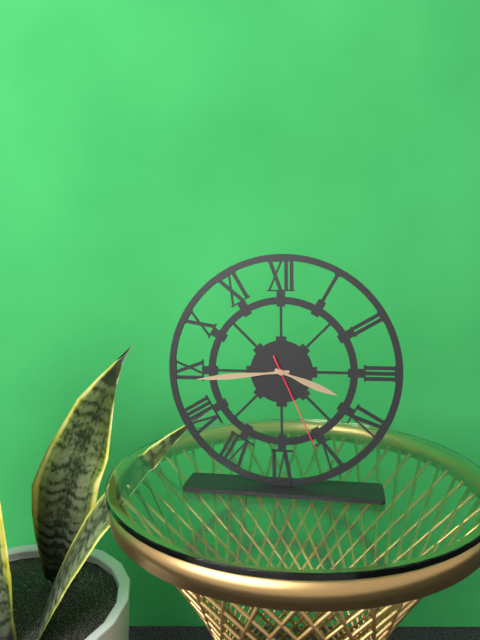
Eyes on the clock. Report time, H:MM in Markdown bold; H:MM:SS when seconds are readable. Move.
**3:44:26**
